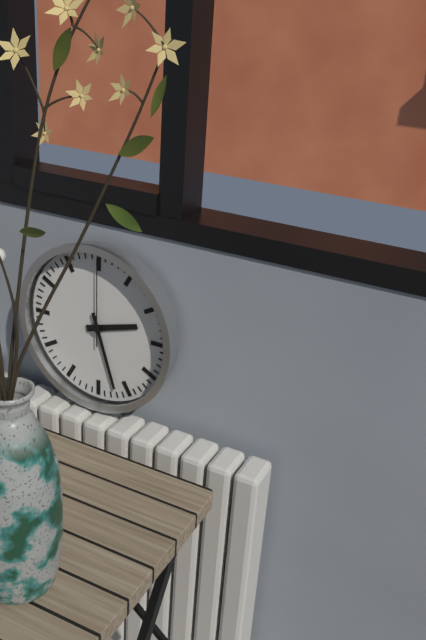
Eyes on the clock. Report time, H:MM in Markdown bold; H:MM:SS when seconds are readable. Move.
**2:27:00**
